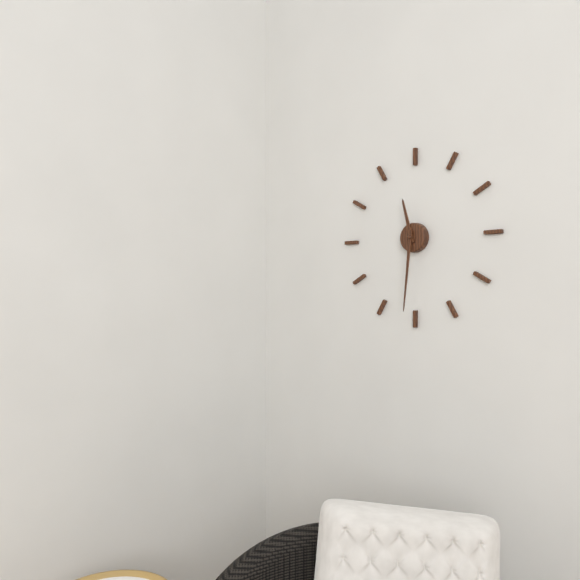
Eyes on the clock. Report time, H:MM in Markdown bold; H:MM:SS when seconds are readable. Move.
**11:31**
